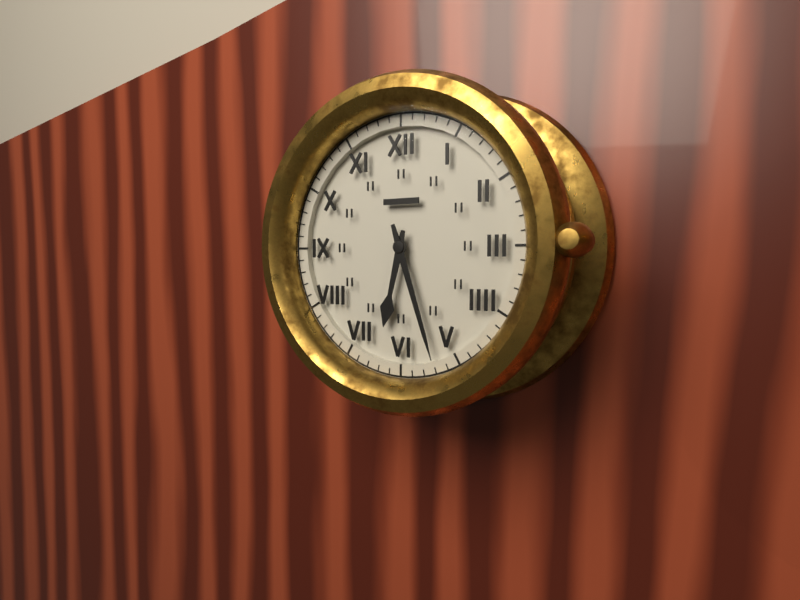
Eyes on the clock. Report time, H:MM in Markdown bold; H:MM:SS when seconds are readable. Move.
**6:27**
